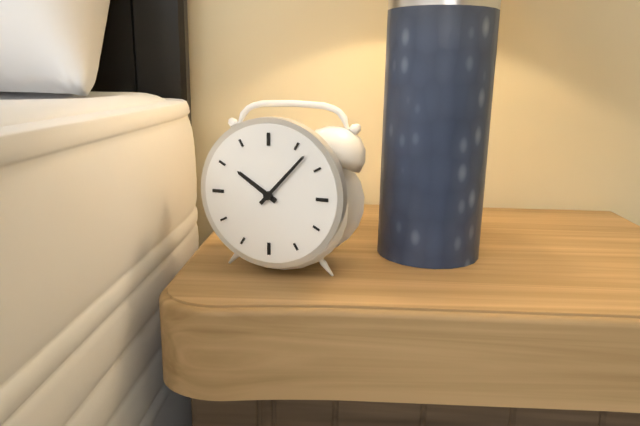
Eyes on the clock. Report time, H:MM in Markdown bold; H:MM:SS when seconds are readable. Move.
**10:07**
